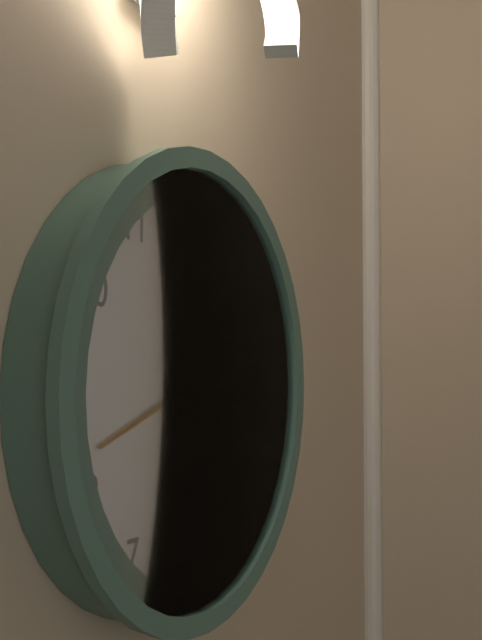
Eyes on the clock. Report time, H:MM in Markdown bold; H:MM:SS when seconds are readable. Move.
**4:42:32**
